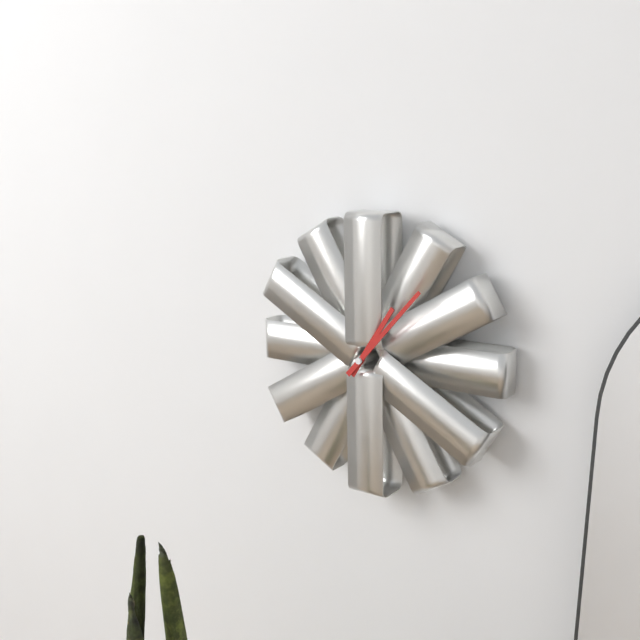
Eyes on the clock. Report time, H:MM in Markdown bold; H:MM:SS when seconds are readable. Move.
**1:07**
